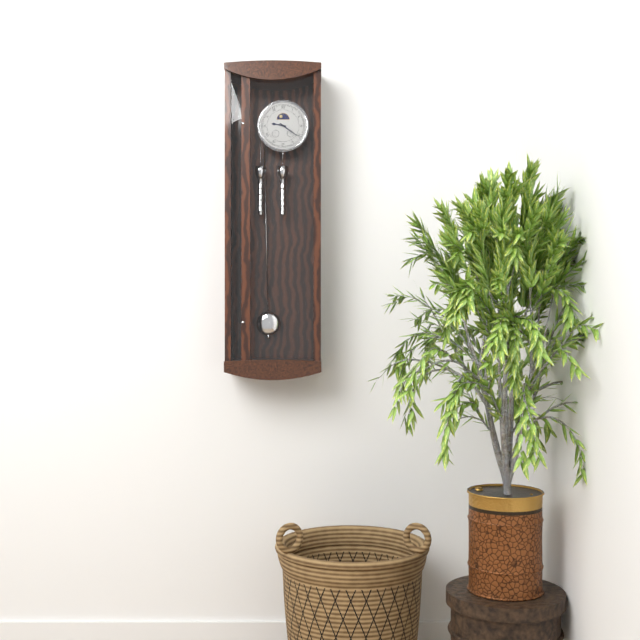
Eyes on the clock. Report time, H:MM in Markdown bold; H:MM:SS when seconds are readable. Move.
**9:21**
